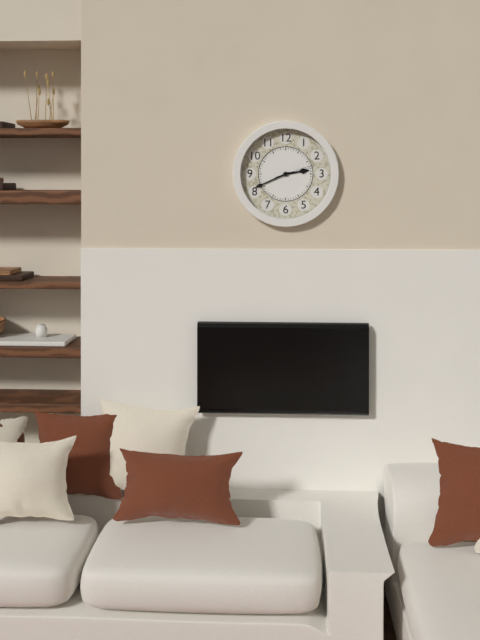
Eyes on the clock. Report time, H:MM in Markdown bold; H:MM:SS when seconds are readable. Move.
**2:41**
